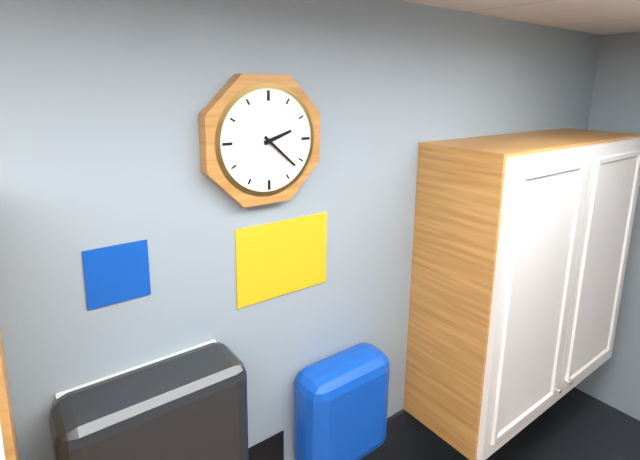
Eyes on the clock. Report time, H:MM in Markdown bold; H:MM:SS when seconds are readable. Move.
**2:22**
